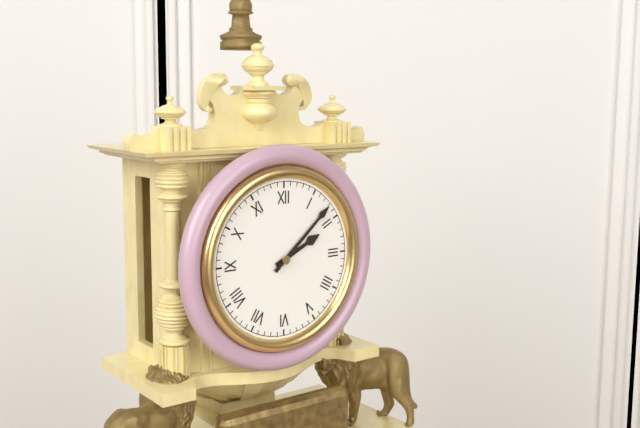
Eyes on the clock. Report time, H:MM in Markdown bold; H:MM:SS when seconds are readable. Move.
**2:08**
